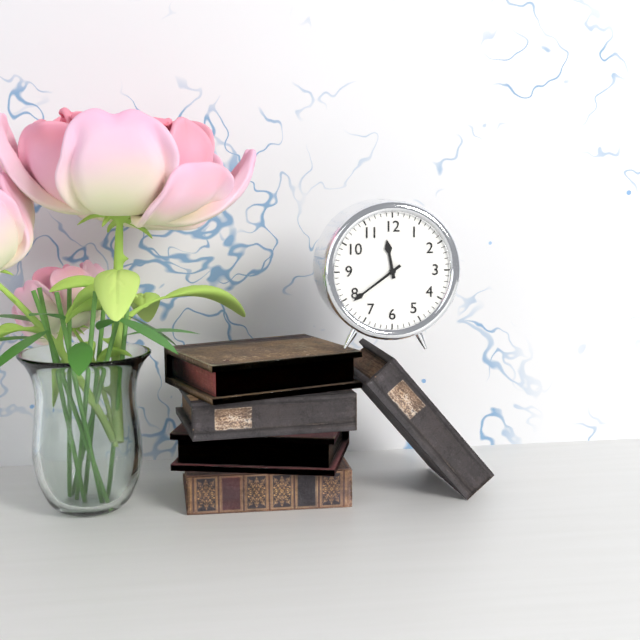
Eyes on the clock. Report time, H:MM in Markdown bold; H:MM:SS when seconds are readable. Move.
**11:39**
